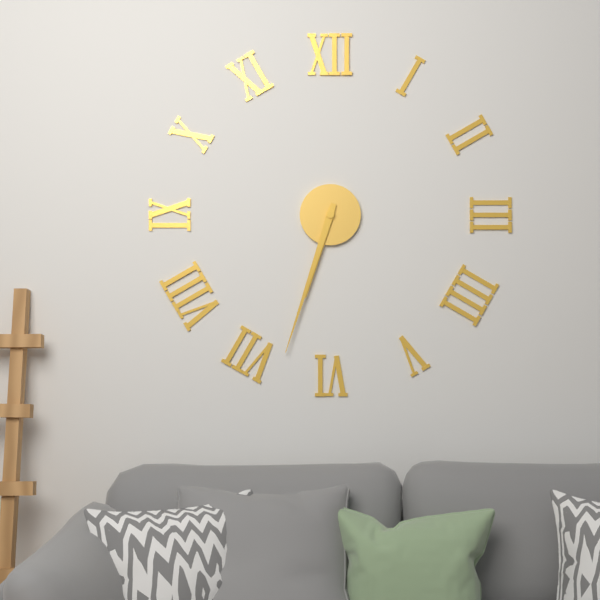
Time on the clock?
6:33
